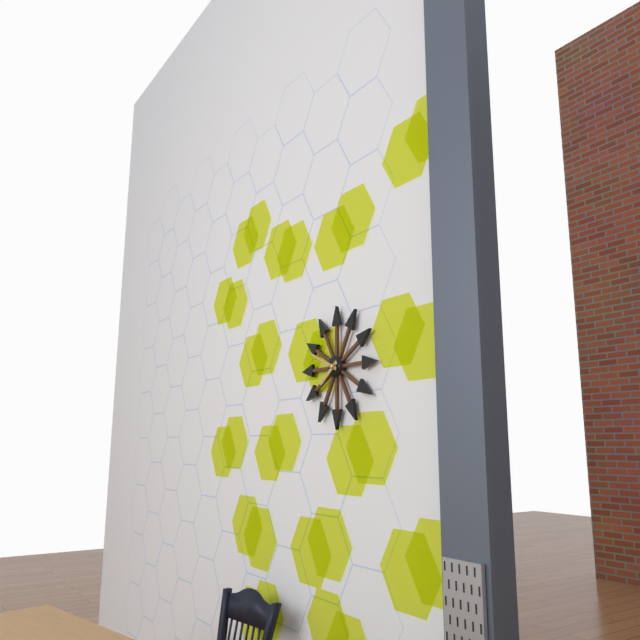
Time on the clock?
7:49
